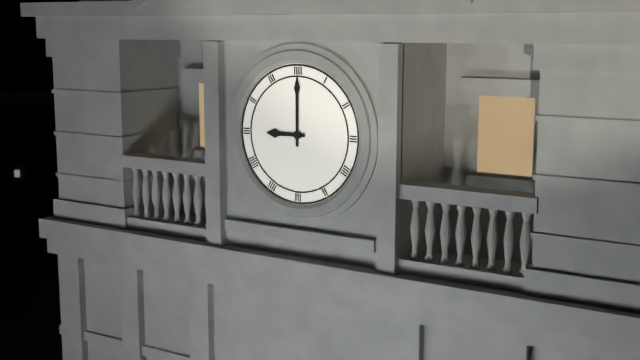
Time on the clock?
9:00
